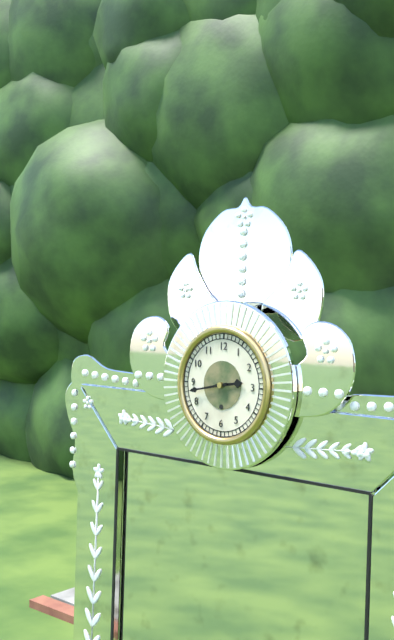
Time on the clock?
2:43
